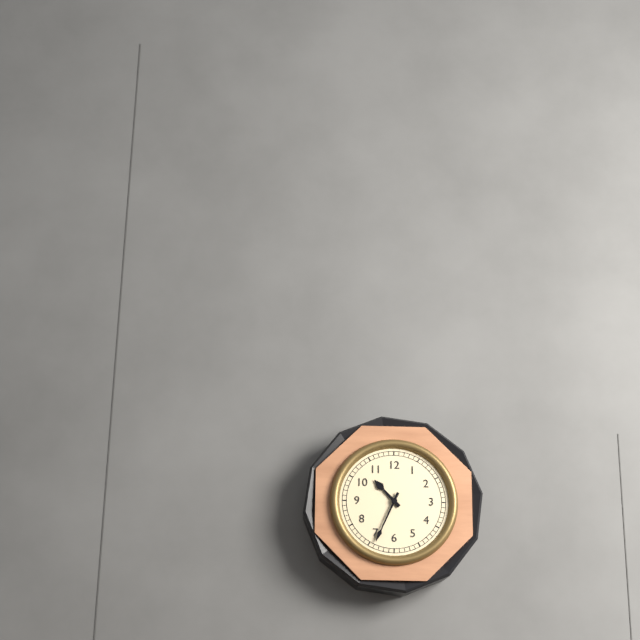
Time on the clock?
10:34
